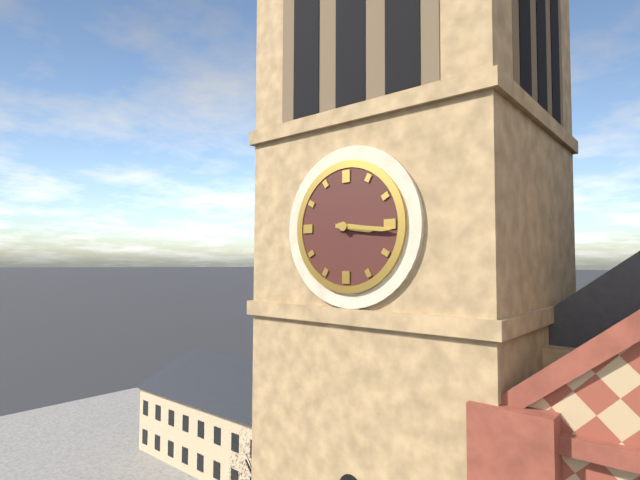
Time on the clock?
3:16
